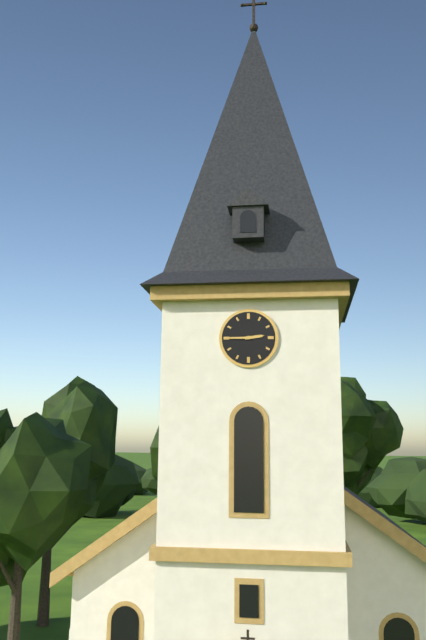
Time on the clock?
2:45
